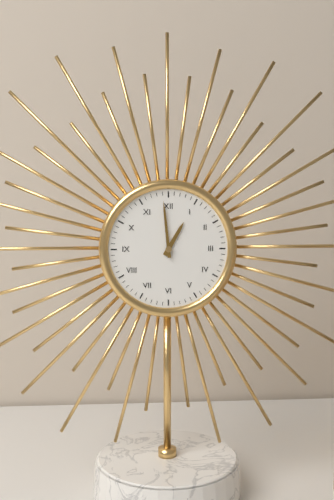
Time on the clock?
12:59
